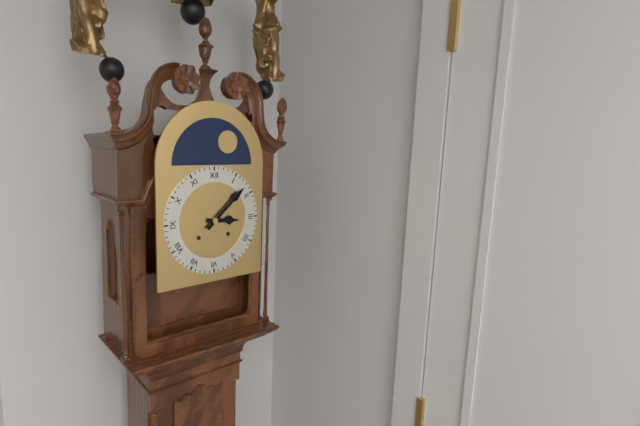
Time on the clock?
3:08
